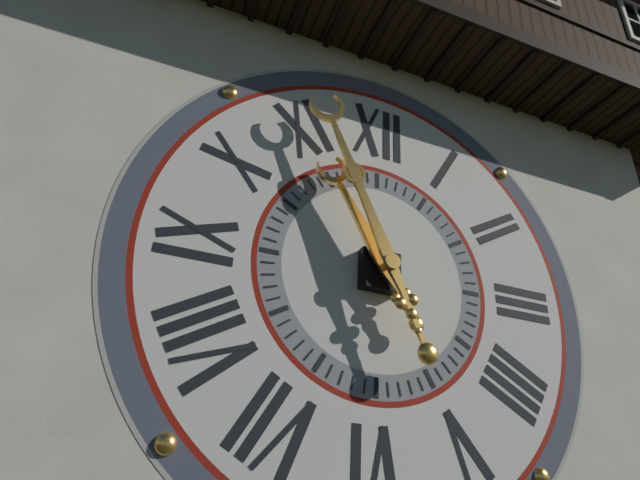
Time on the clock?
10:56
